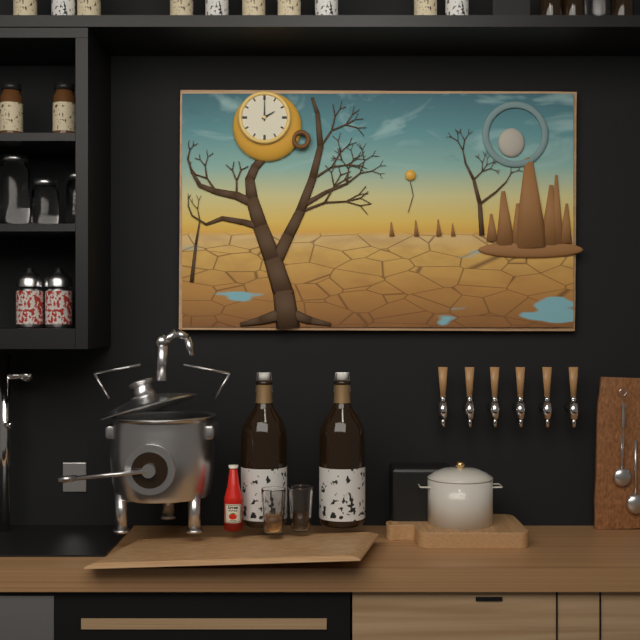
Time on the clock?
2:00
